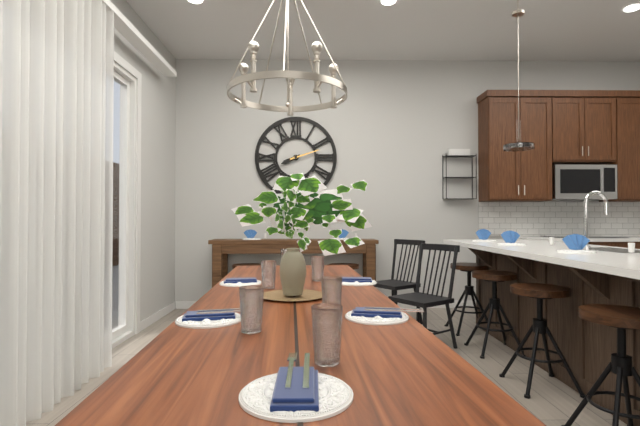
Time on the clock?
8:12
